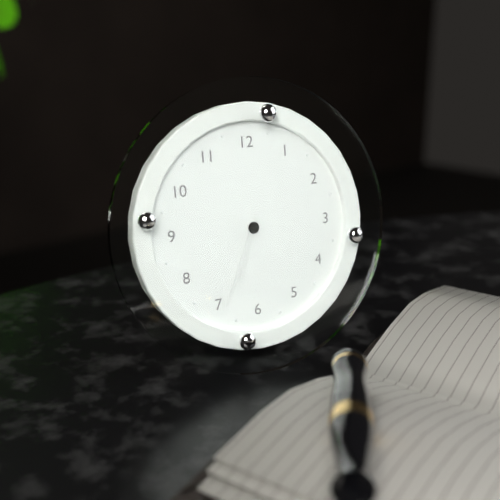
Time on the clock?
6:34
